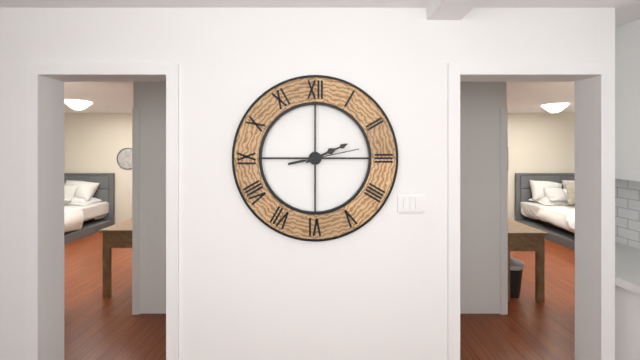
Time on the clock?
2:11:13
